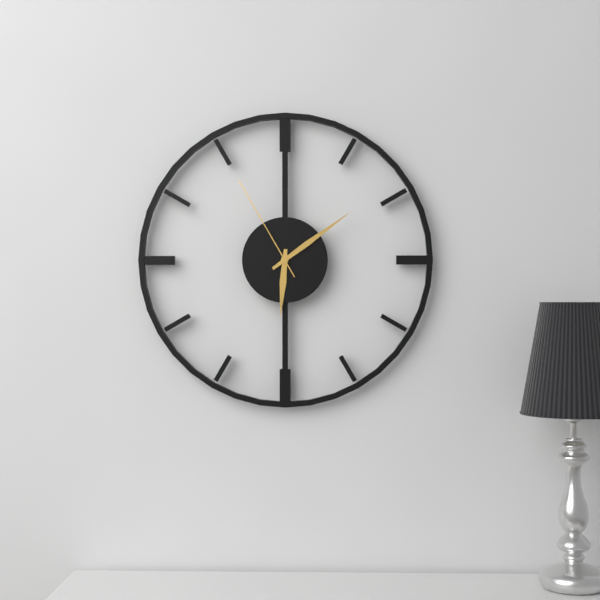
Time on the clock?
6:09:55
